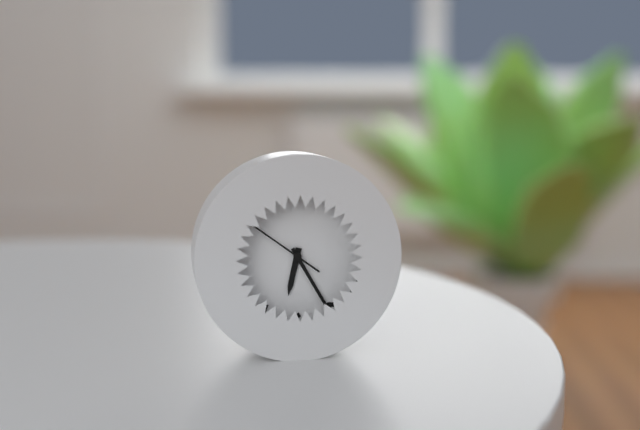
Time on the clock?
6:25:51
